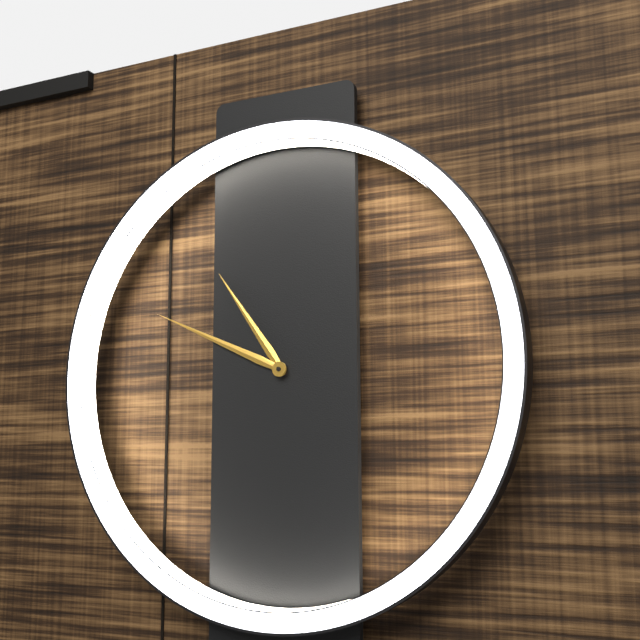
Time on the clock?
10:49
